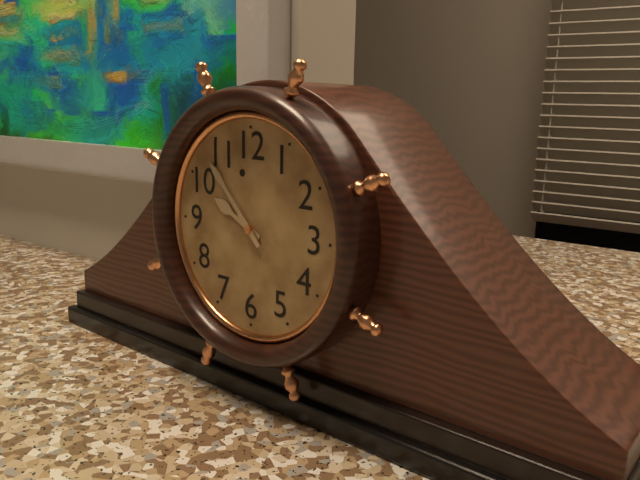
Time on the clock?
9:53
